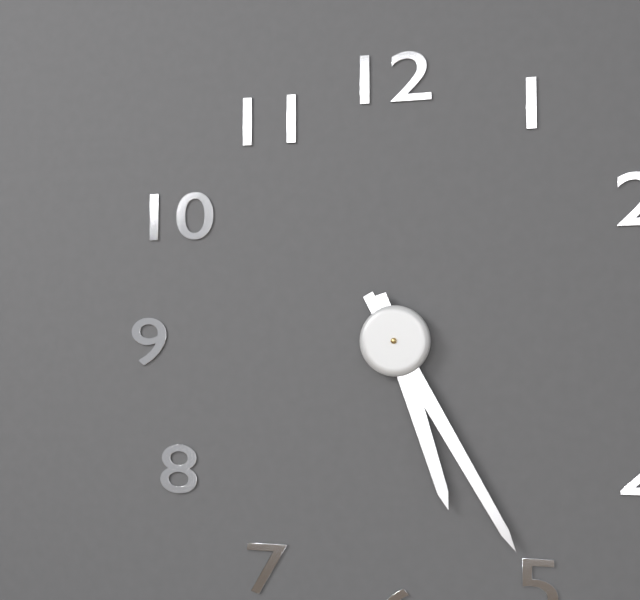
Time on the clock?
5:25
